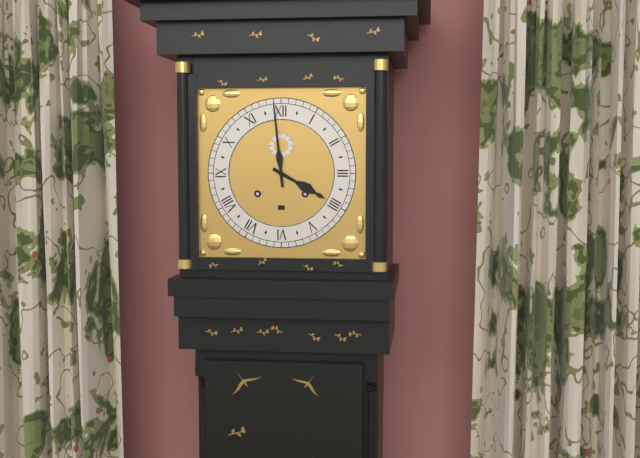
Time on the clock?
3:59
